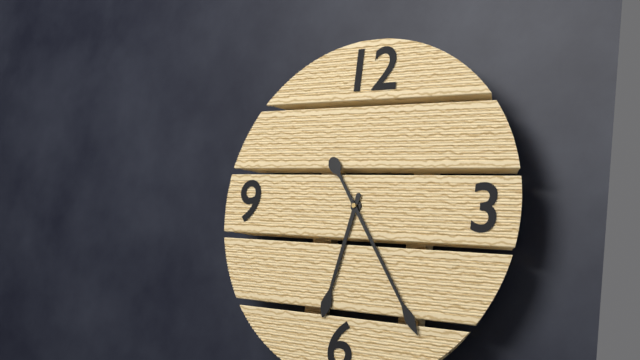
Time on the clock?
6:24
